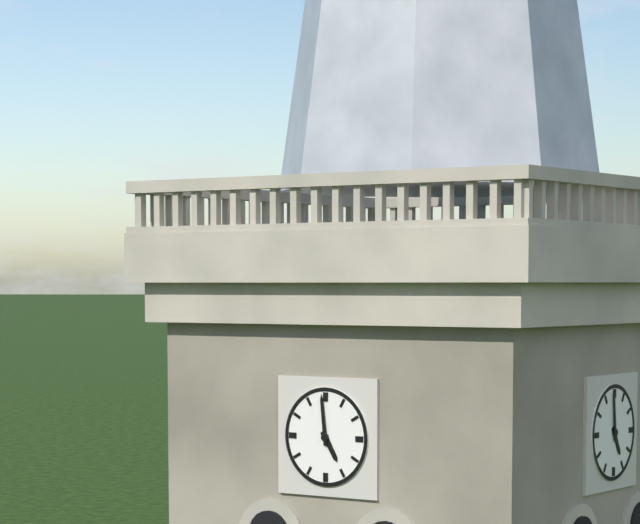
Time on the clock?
4:59
